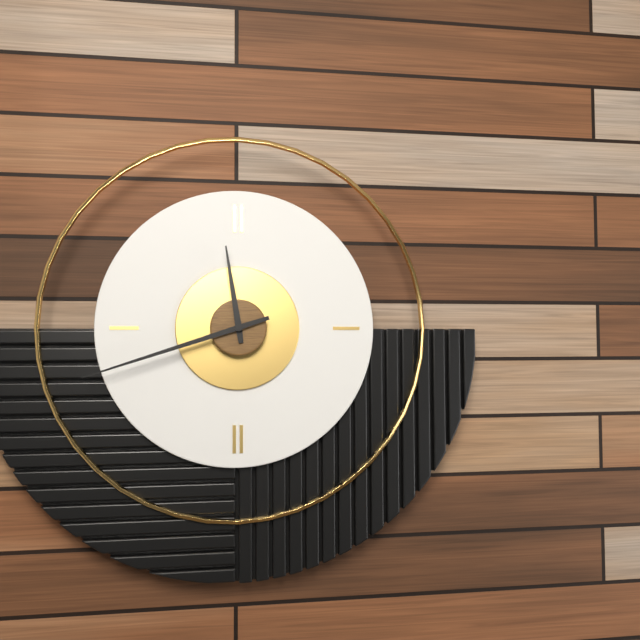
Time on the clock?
11:42
